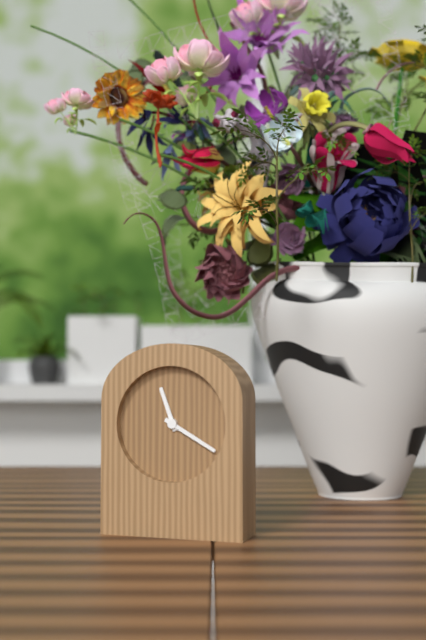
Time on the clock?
11:20
